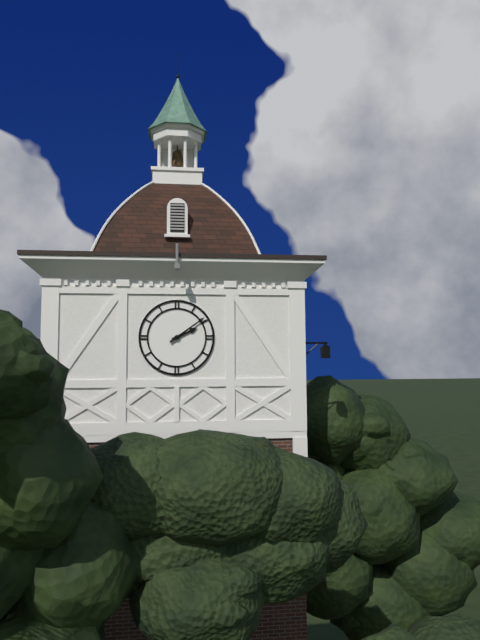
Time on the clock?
2:09
